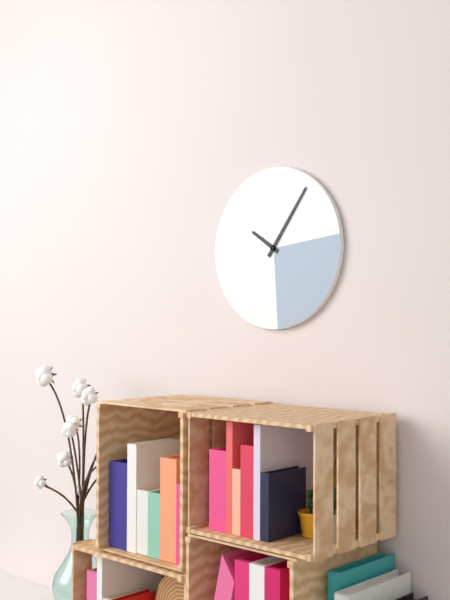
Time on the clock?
10:06
